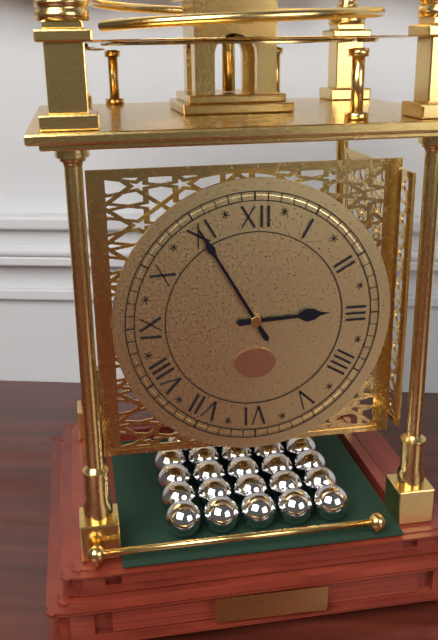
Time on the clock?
2:55
